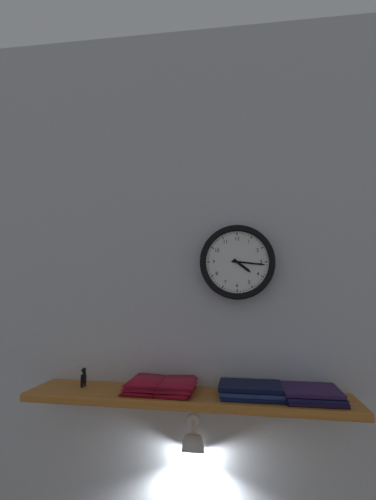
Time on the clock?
4:16
